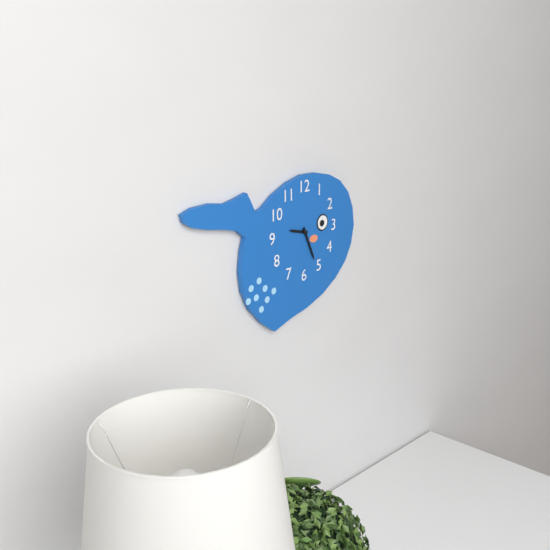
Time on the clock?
9:26
